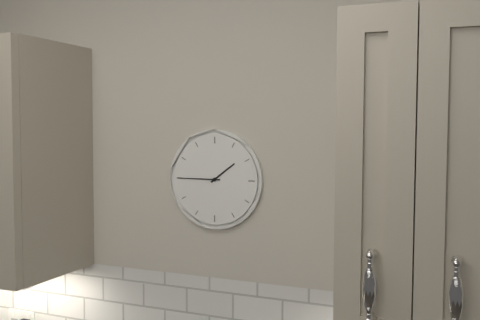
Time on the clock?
1:45
